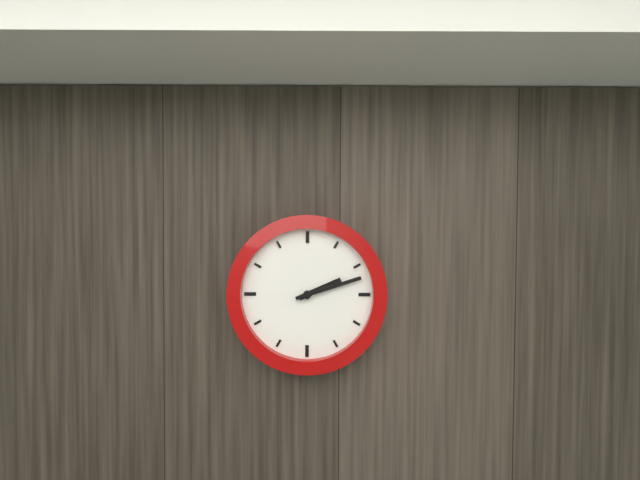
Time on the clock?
2:12
